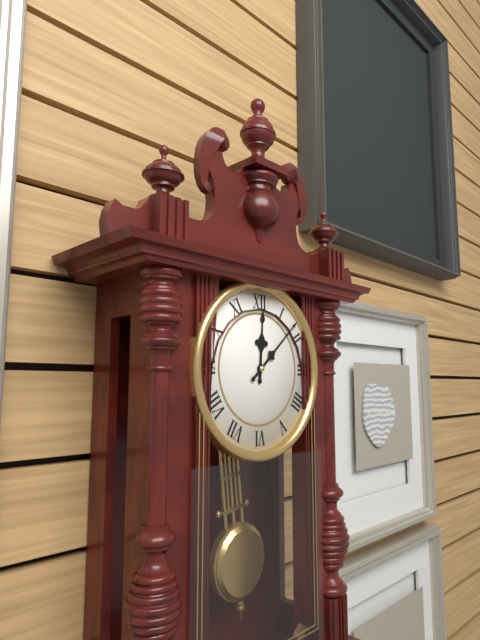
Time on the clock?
12:08
